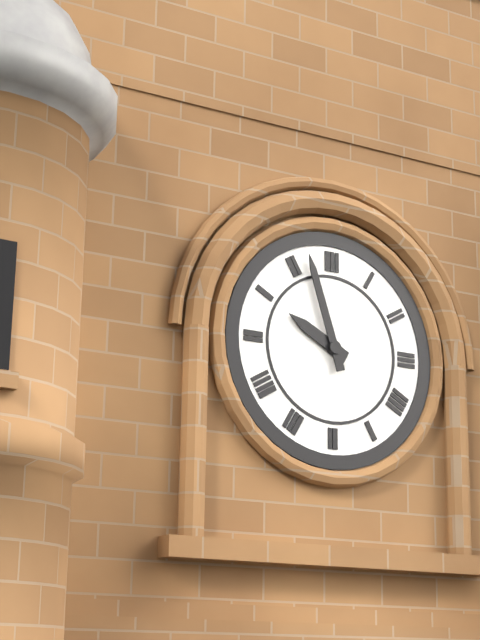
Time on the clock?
9:57
